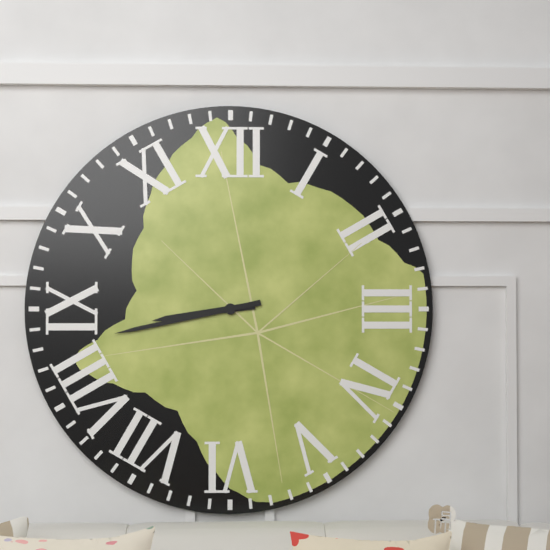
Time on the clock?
8:43
